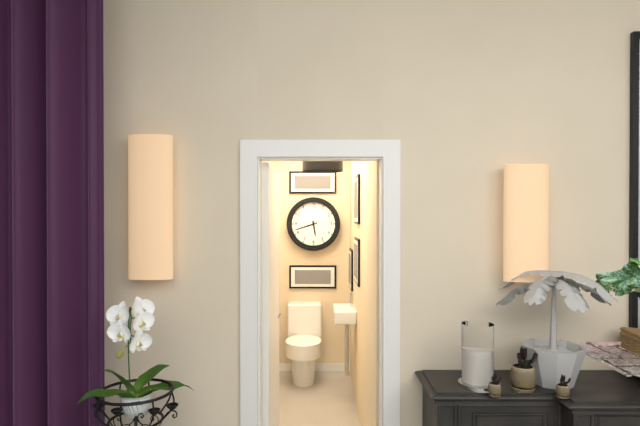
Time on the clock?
5:42
